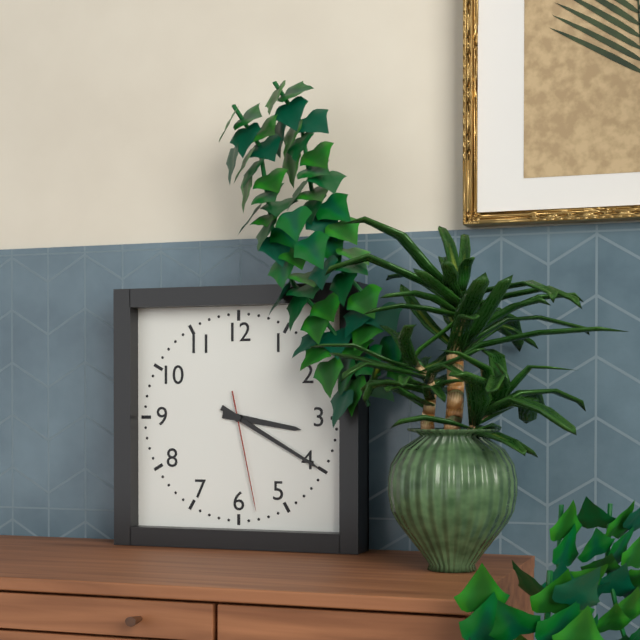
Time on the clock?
3:20:28
